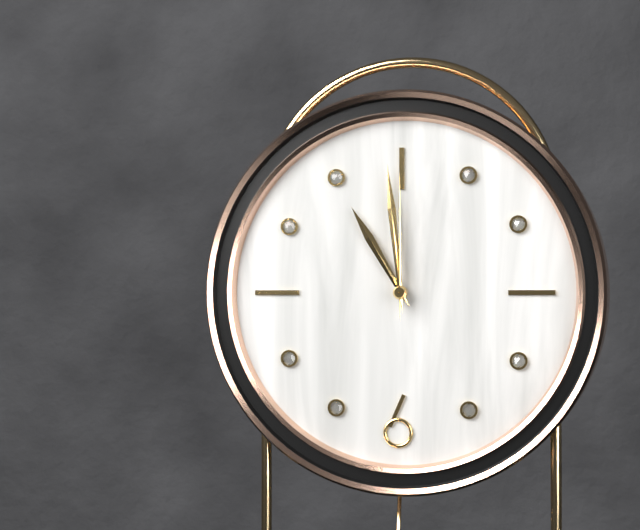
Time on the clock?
10:59:00
